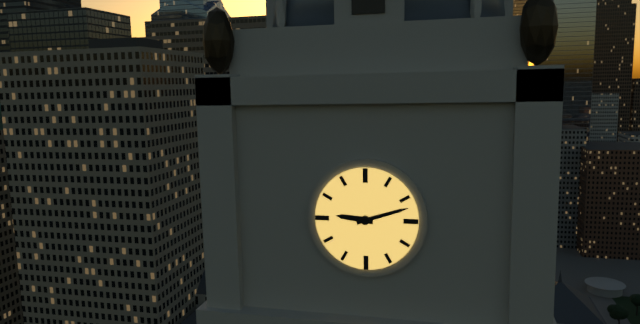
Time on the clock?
9:12
